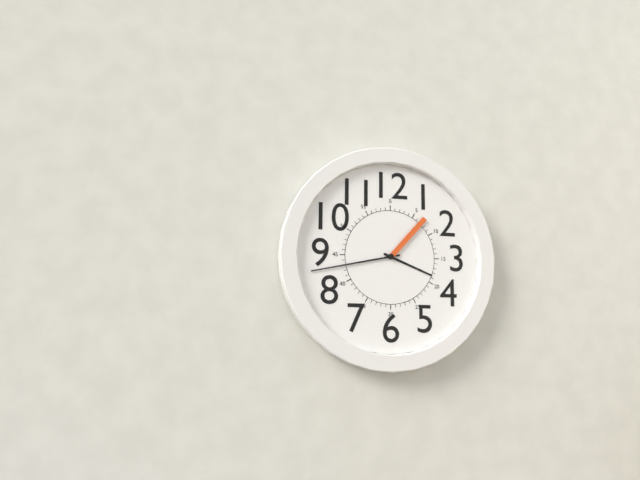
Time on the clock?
3:43:07
